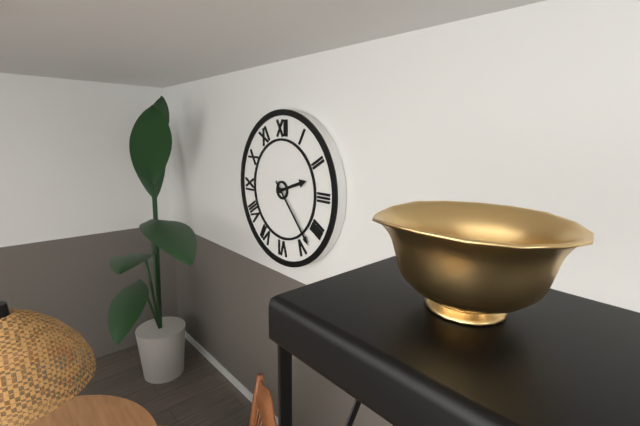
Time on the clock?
2:23
